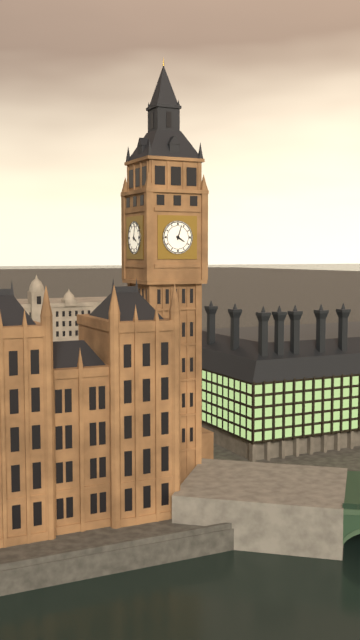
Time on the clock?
4:03
